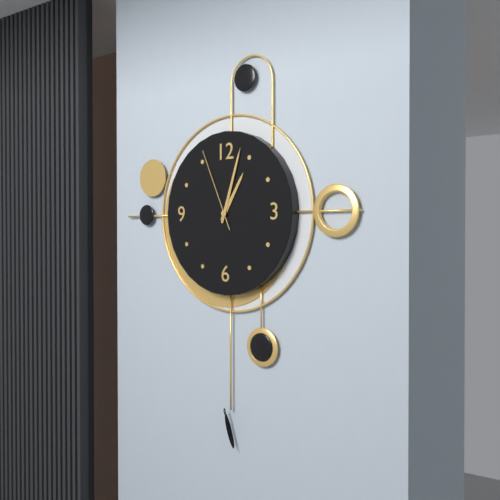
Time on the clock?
1:03:56
